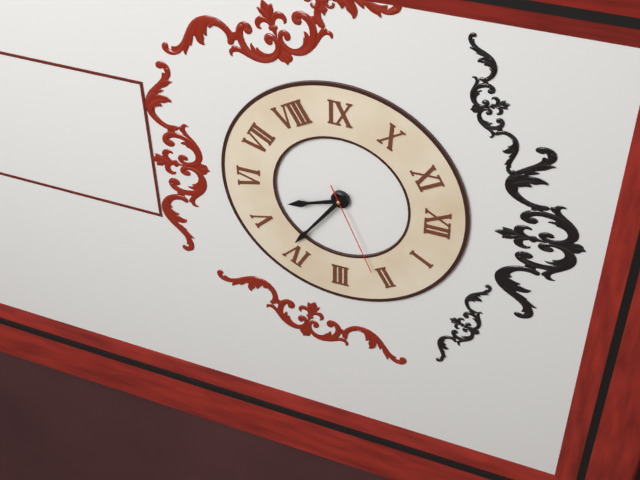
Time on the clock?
5:21:11
